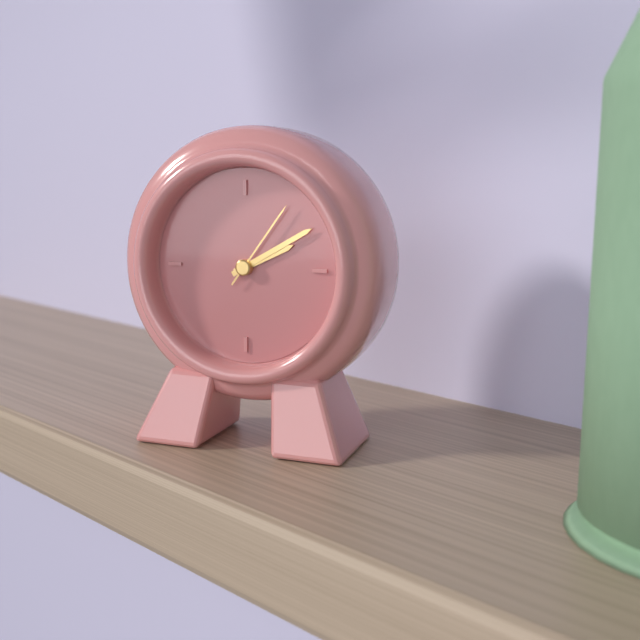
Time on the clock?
2:10:06
